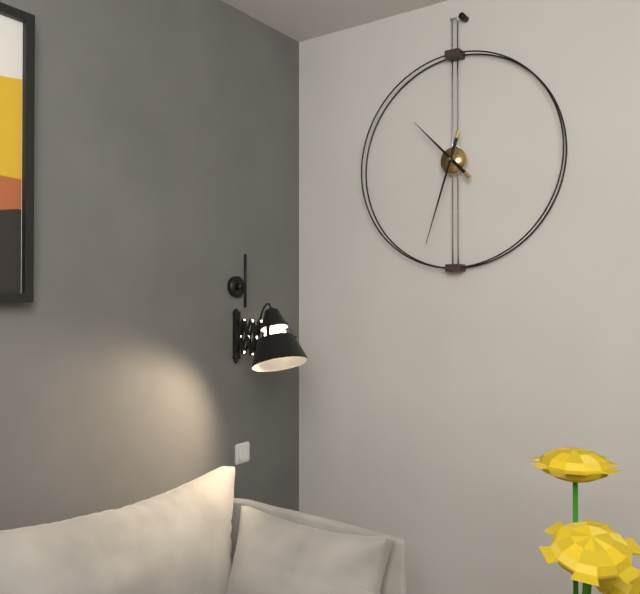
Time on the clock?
10:33
